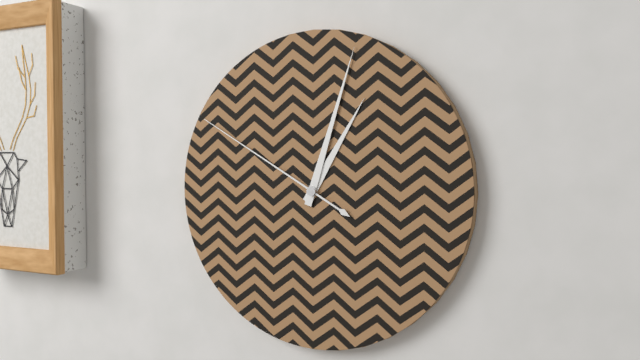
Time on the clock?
1:03:50
